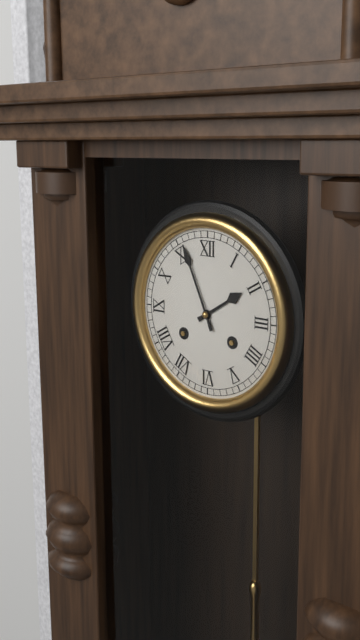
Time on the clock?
1:56
